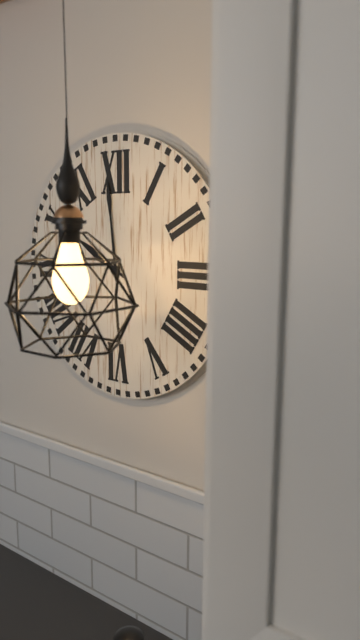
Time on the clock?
9:59
